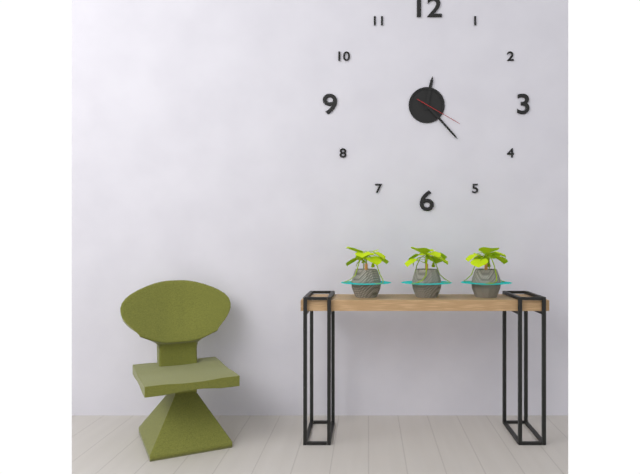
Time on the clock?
12:23
